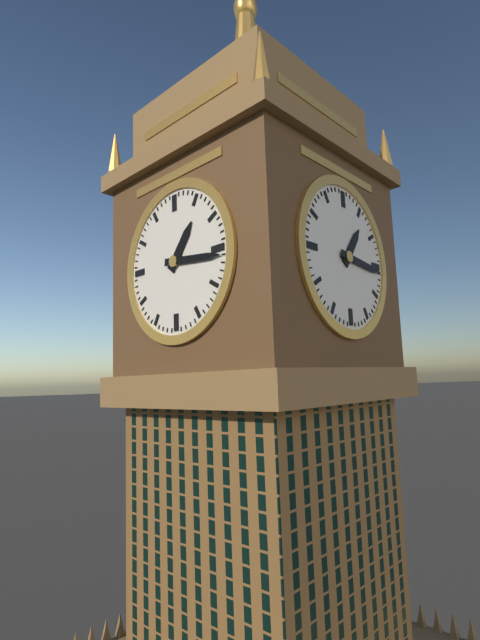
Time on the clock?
1:16
